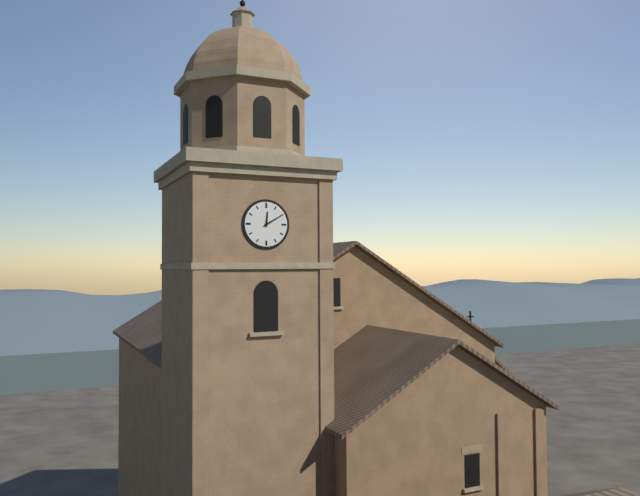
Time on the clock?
12:10
